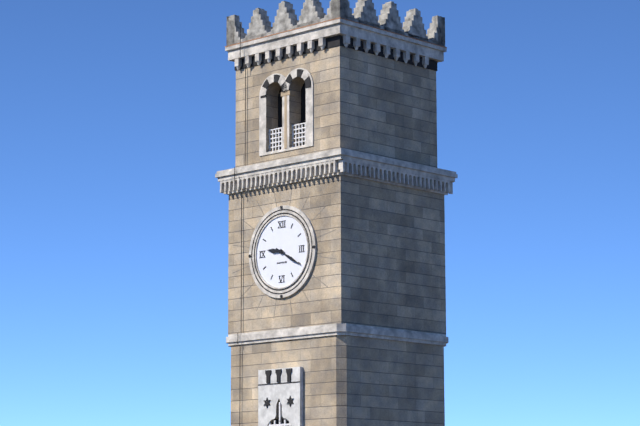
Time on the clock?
9:20
